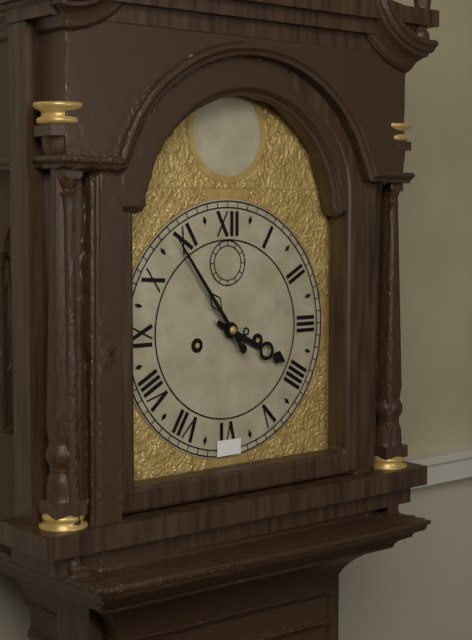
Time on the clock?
3:54
